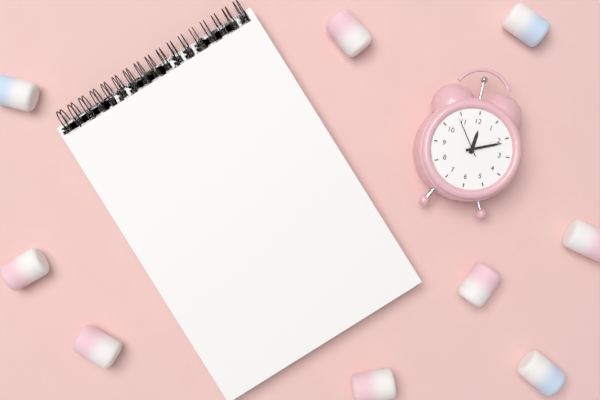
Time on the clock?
12:11
